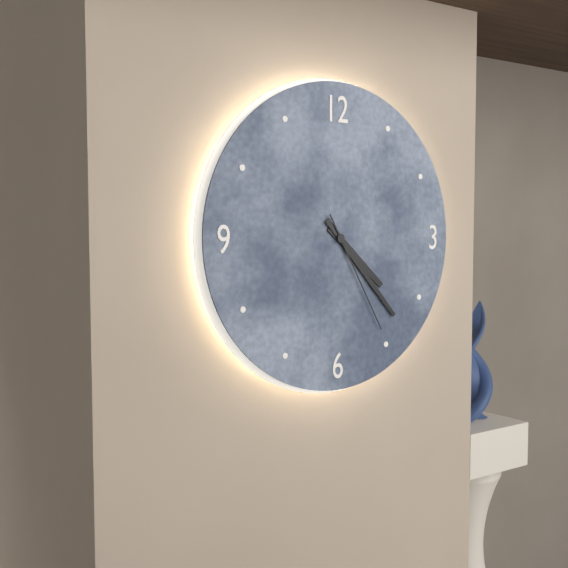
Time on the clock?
4:23:25
